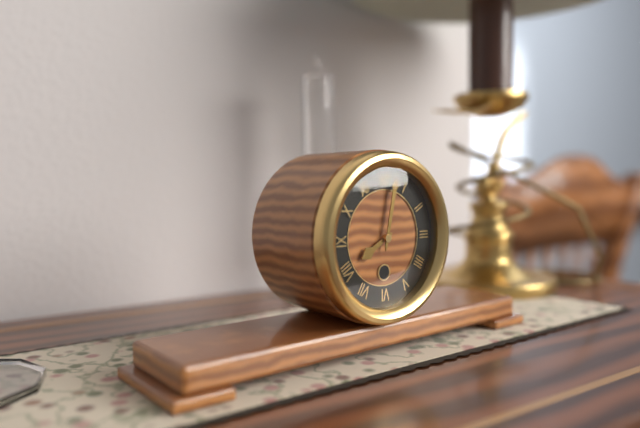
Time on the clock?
8:02
